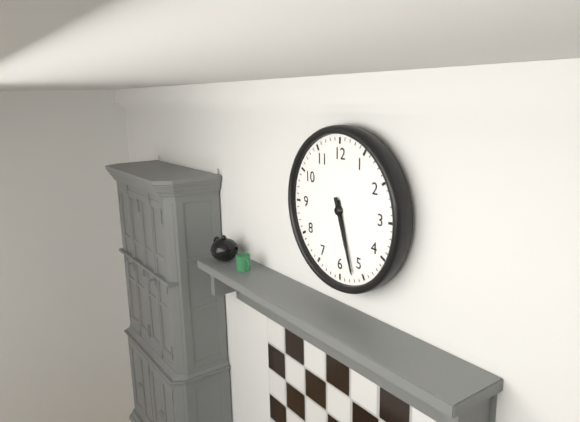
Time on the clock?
5:27
